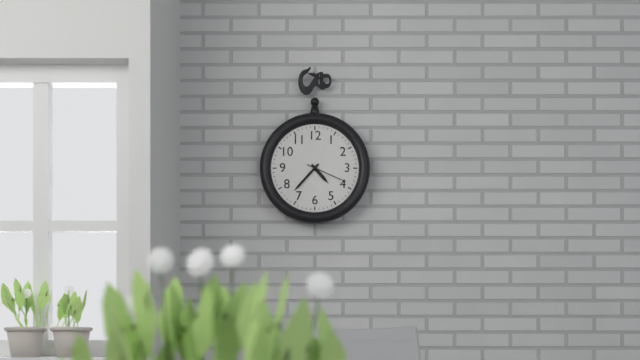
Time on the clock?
4:37
